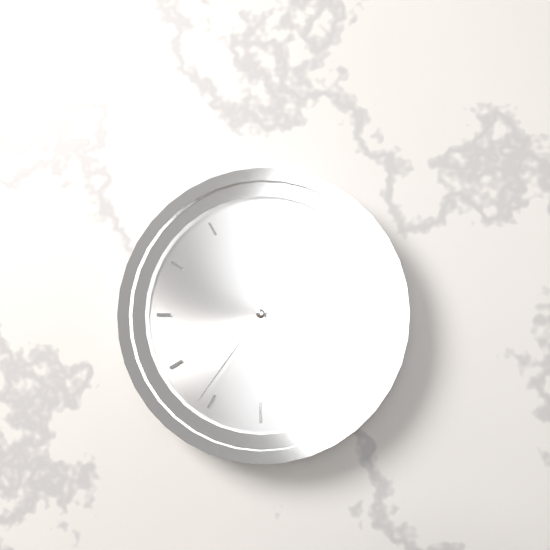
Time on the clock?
5:09:36
